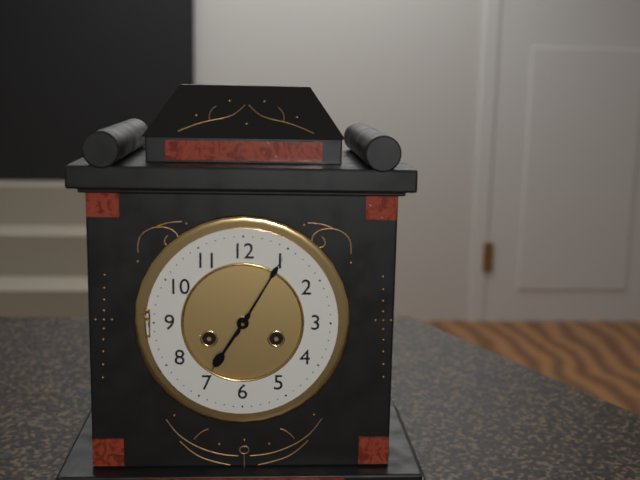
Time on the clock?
7:05
